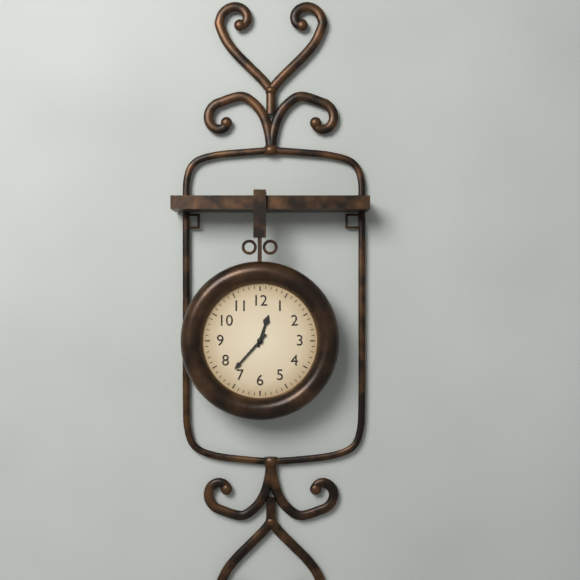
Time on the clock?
12:37
